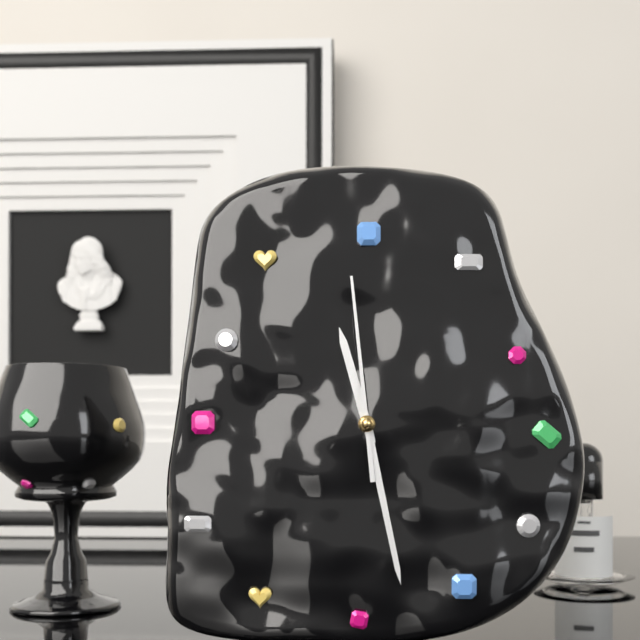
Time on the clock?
11:28:59
